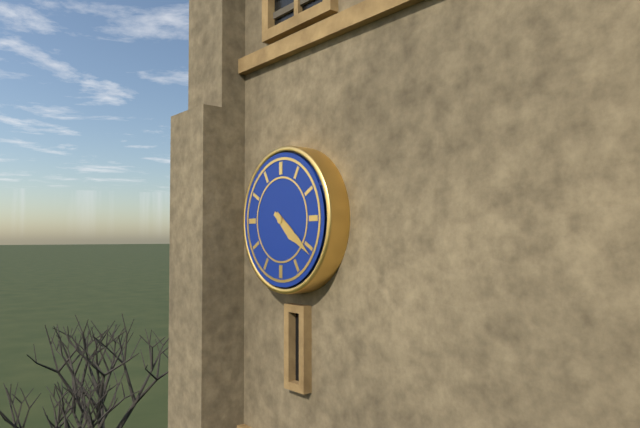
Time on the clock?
4:21
